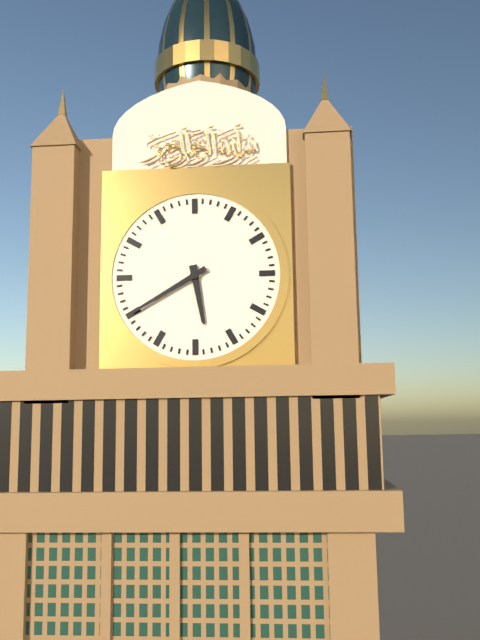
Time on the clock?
5:40
